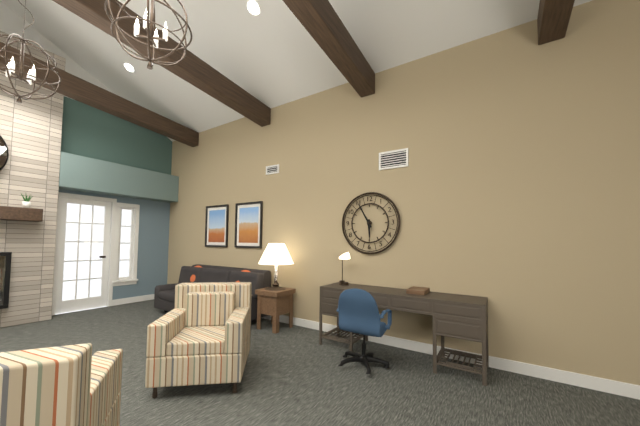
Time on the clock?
5:55
